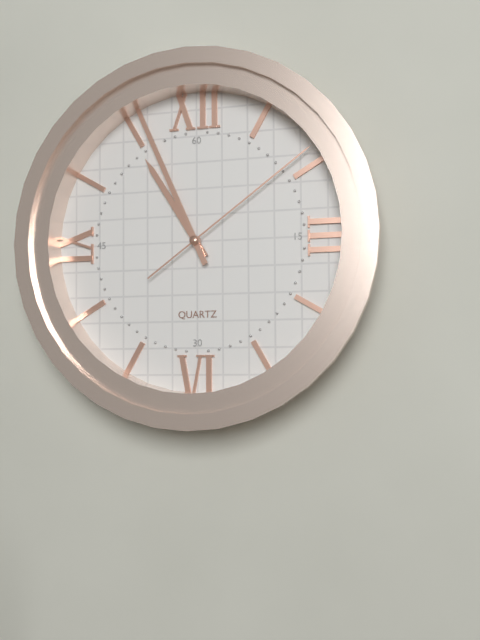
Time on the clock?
10:56:09
